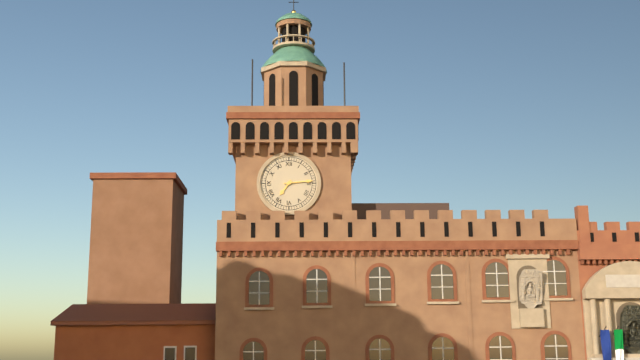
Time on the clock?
7:14
